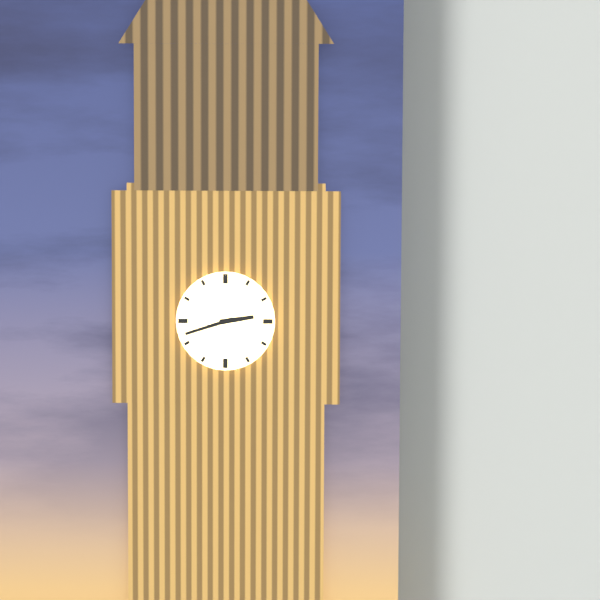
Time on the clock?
2:42
